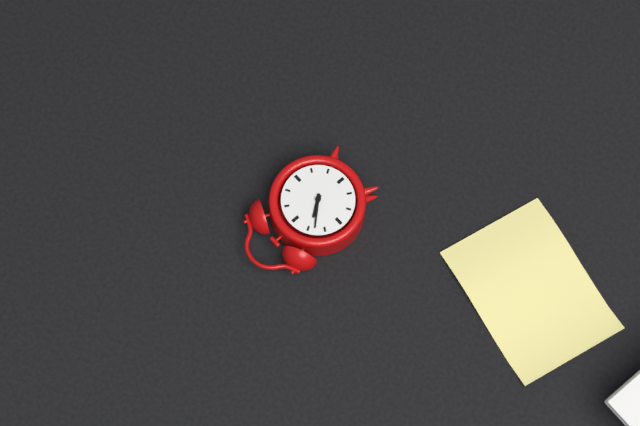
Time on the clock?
10:53
